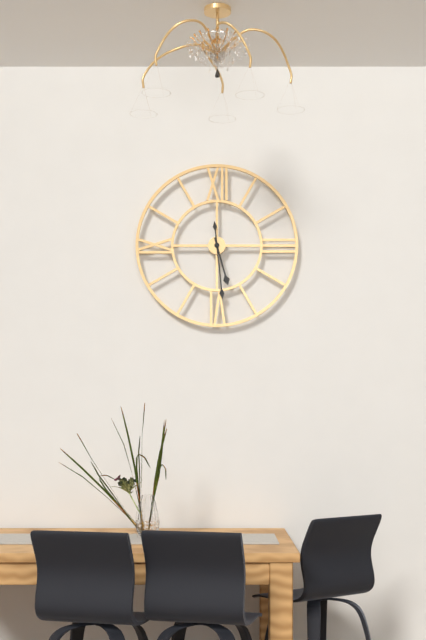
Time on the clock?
5:29
